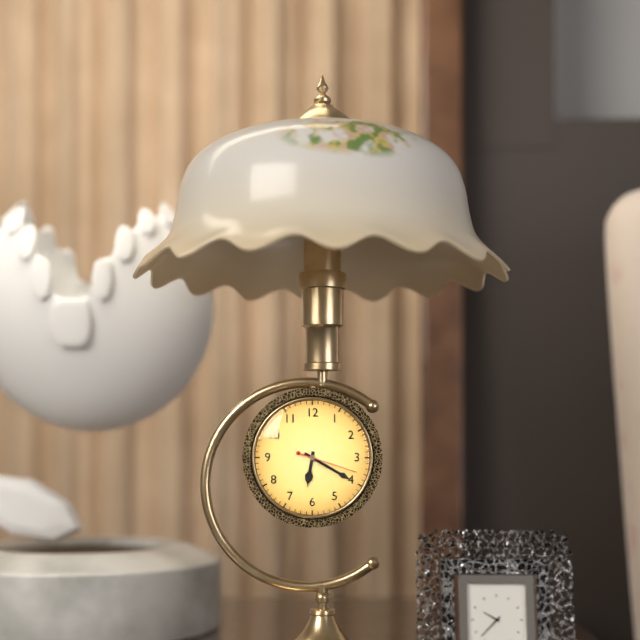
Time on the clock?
6:20:18
